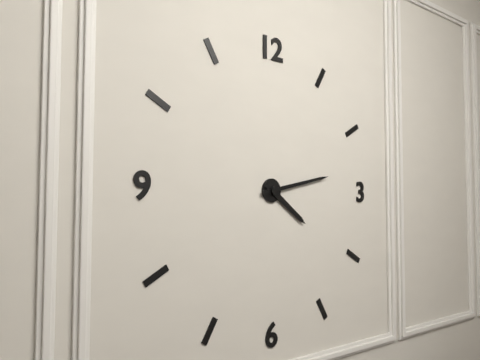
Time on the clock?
4:13
